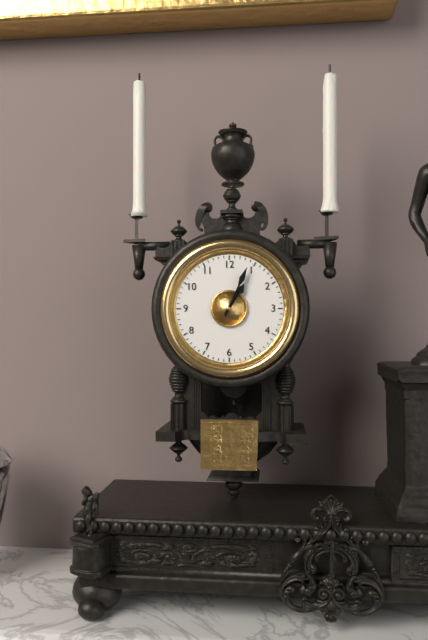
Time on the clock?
1:04
